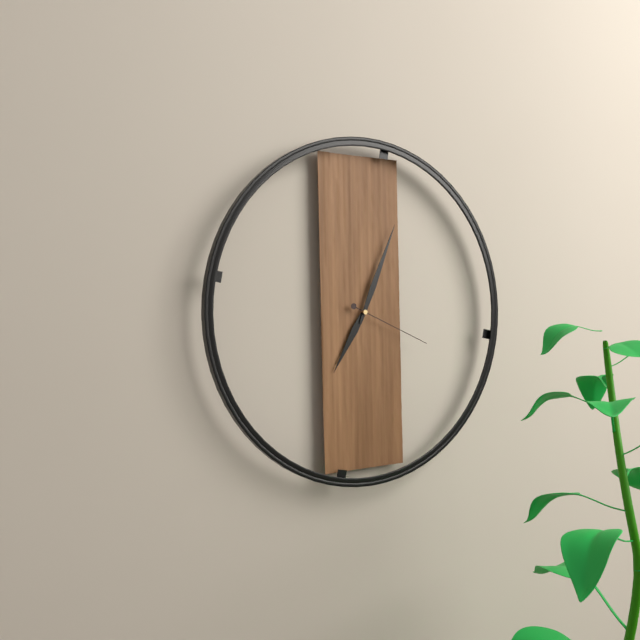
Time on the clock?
7:04:19
